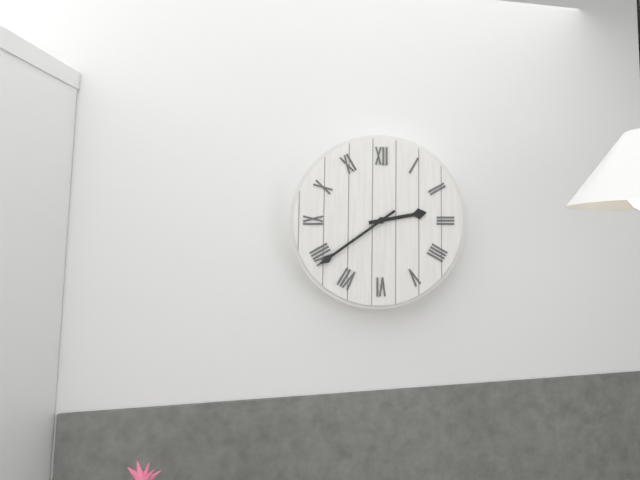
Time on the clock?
2:39
